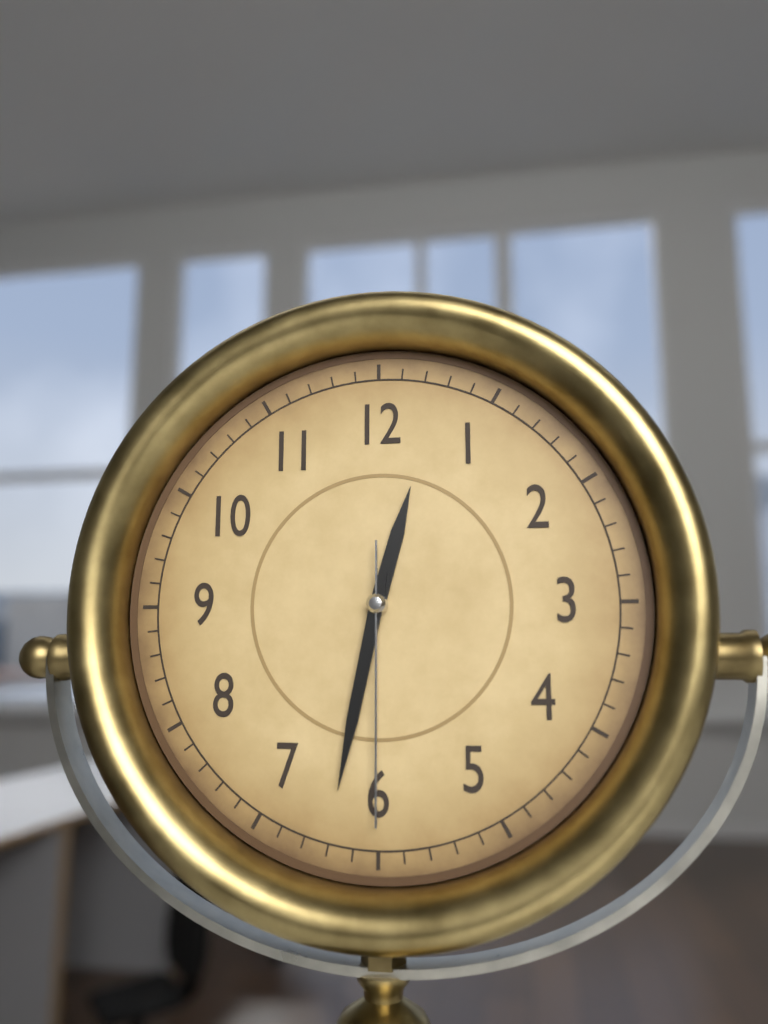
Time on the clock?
12:32:30
